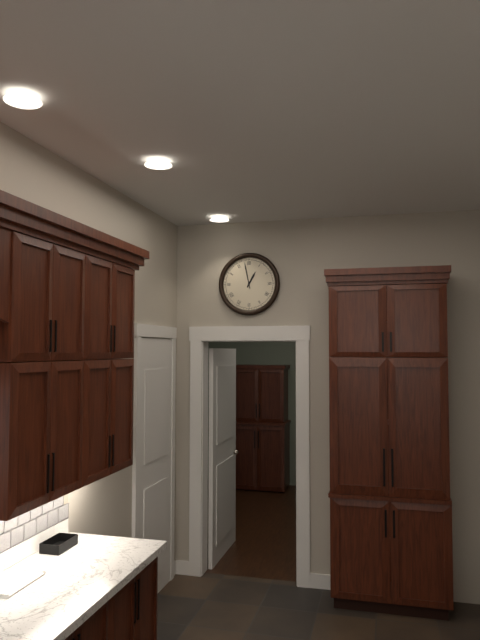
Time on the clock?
12:58
